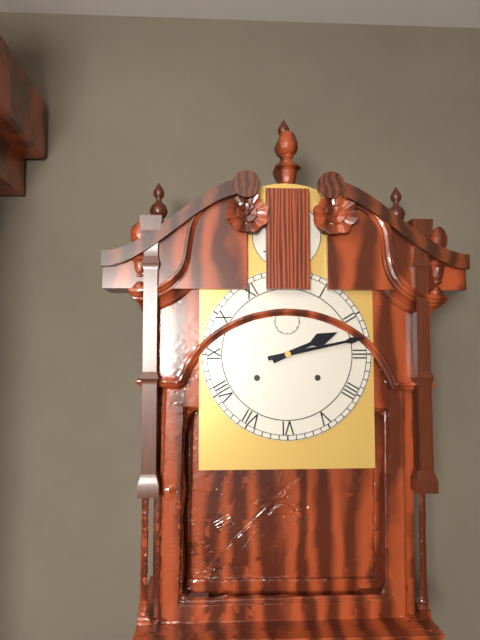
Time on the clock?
2:13
